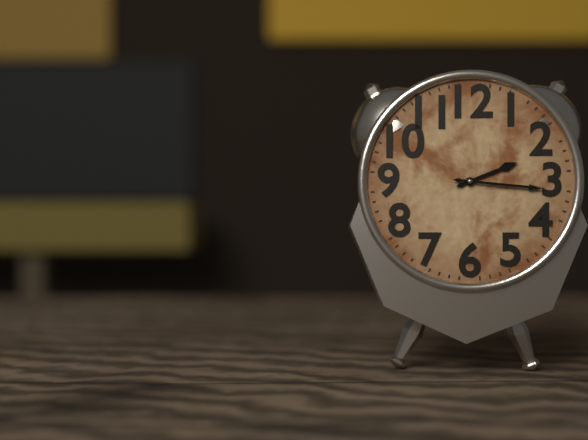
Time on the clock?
2:16
